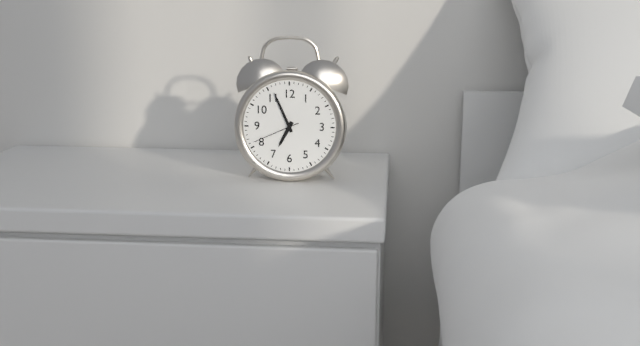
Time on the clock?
6:56
